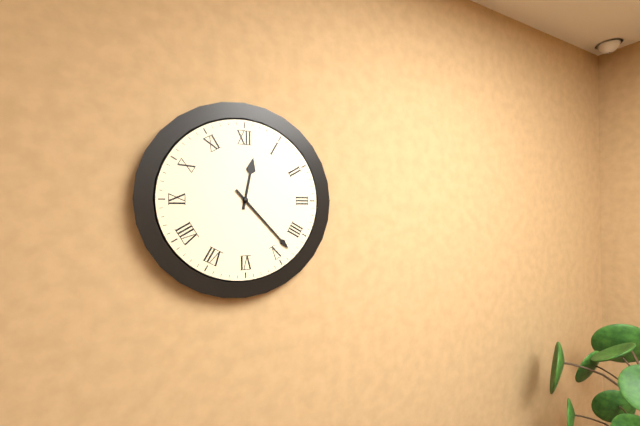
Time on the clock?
12:23
